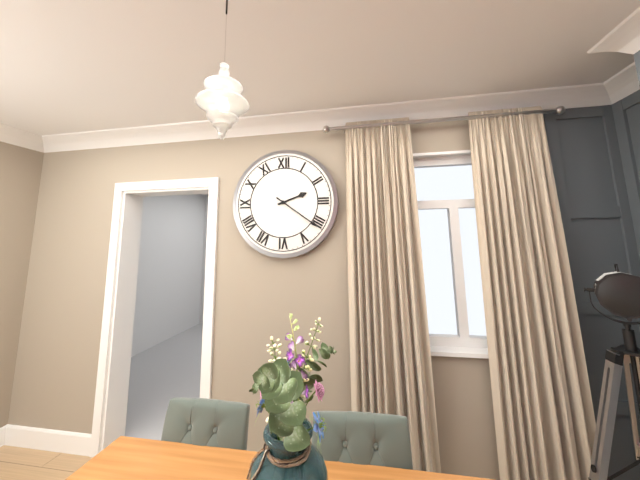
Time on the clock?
2:21
